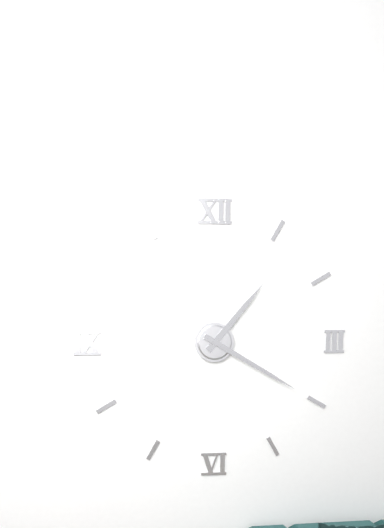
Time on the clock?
1:20
